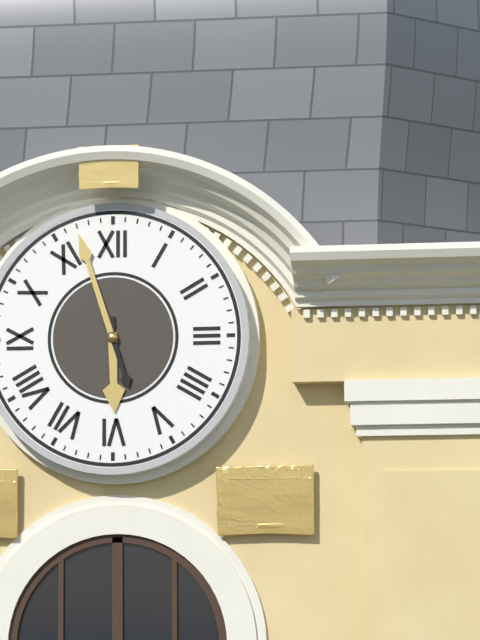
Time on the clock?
5:57
